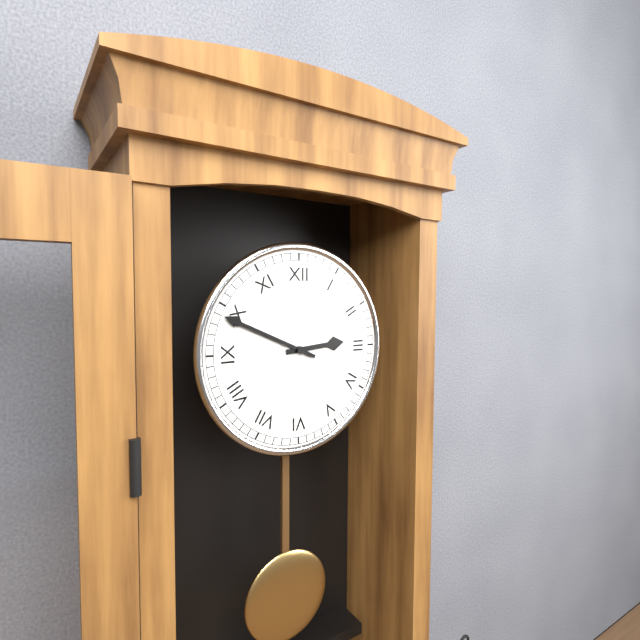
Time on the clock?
2:49
